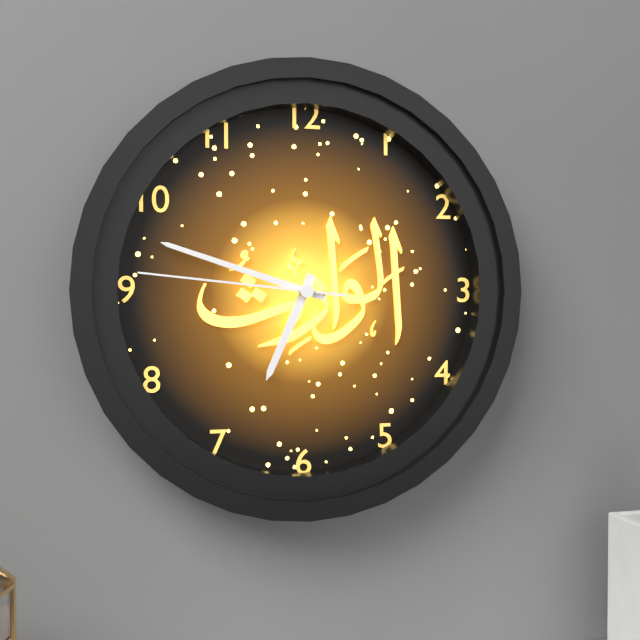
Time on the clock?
6:48:46
